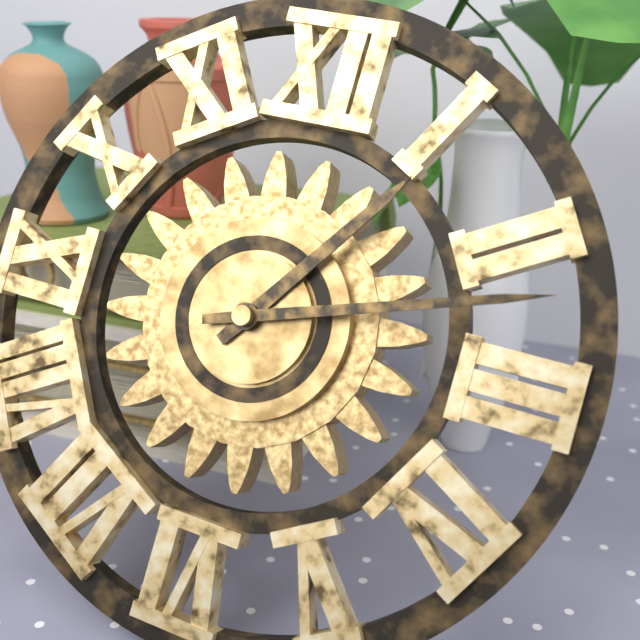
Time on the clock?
1:12
